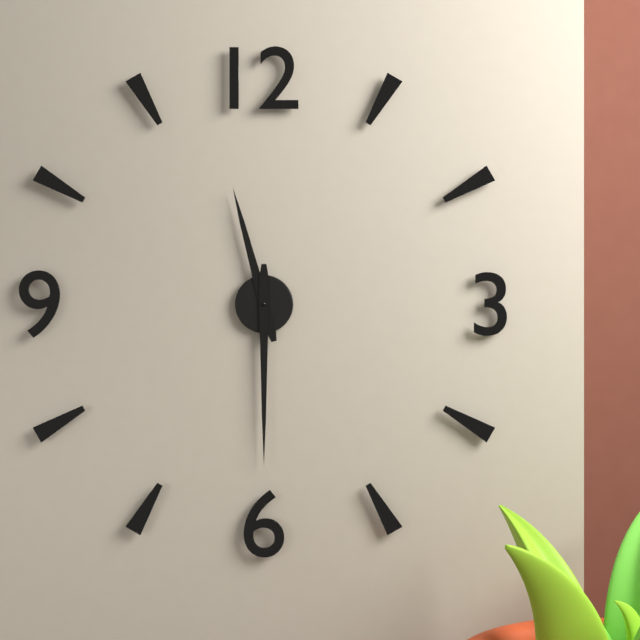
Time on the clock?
11:30
